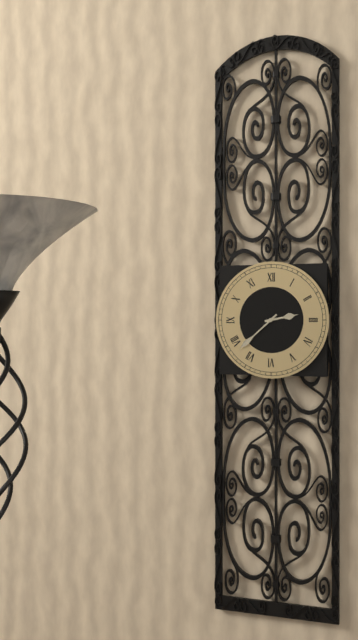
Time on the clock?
2:38
